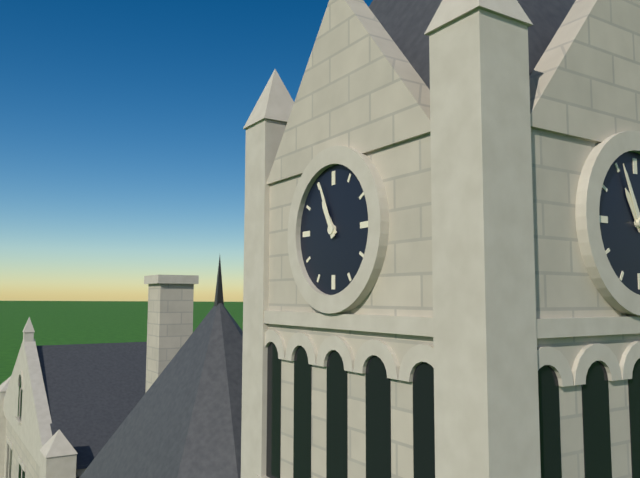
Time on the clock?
10:56
